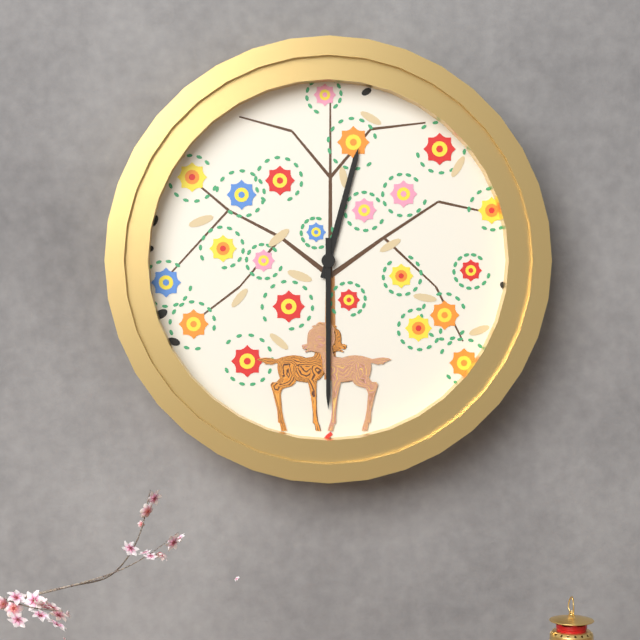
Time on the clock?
12:30
